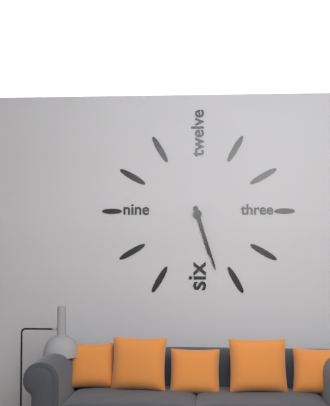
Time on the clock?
5:27
